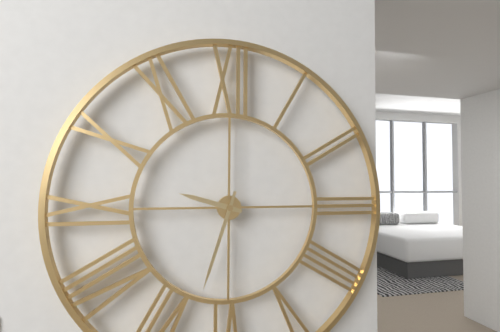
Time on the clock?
9:33
